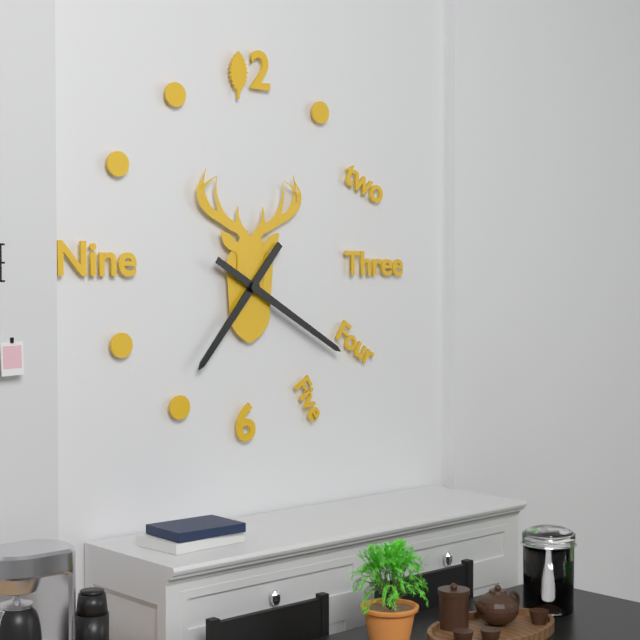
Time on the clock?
7:20
